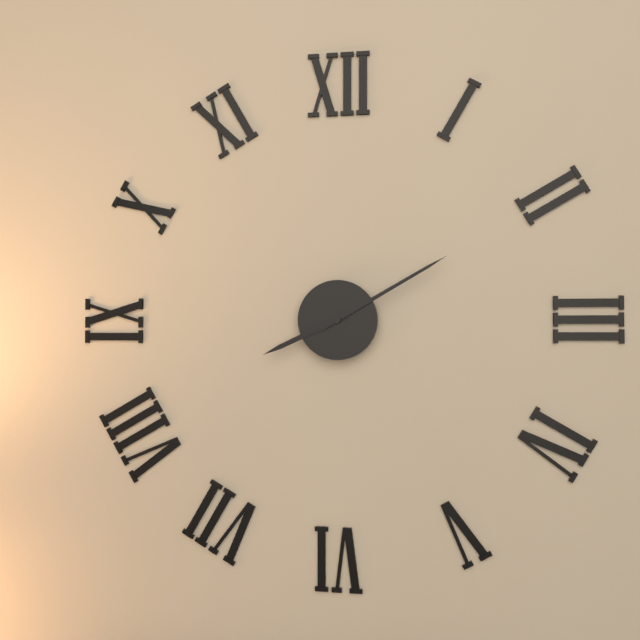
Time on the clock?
8:10
